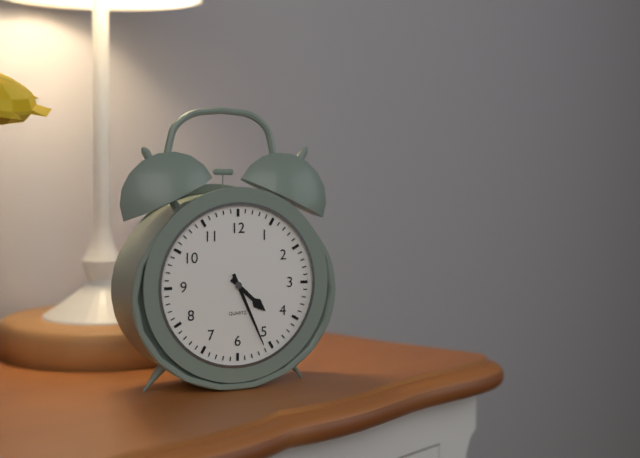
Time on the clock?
4:26
